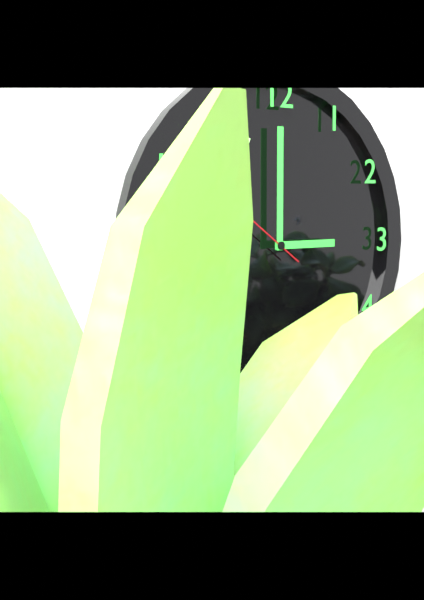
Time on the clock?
3:00
